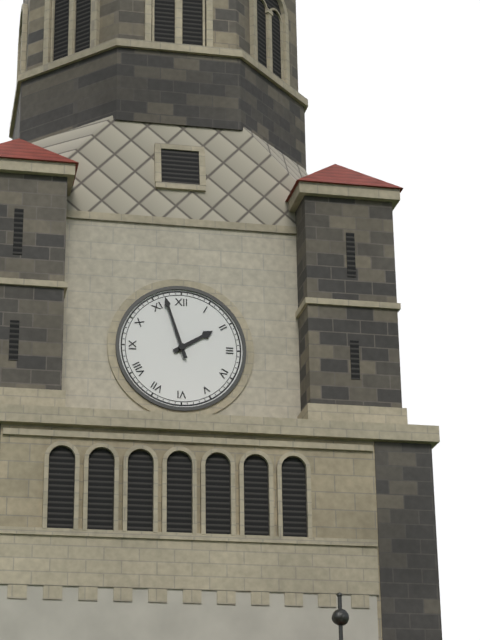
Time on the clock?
1:57
